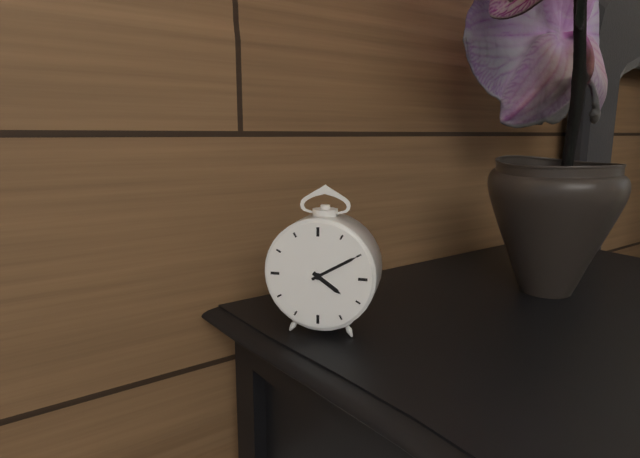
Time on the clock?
4:10
